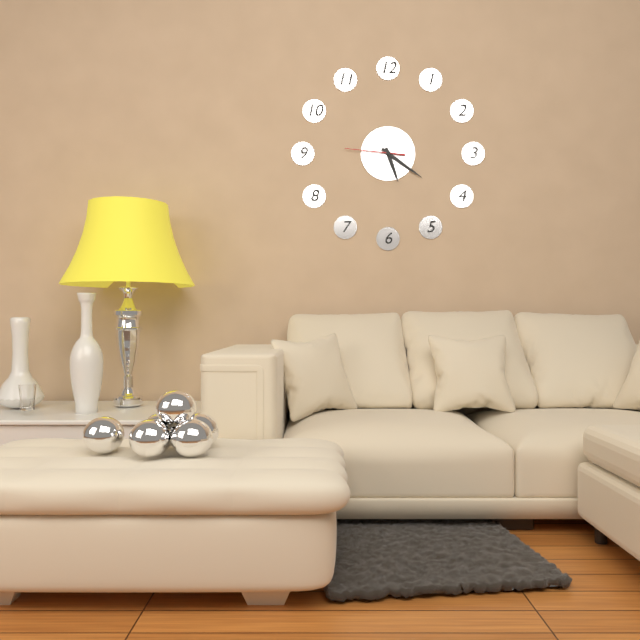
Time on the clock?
5:21:46
